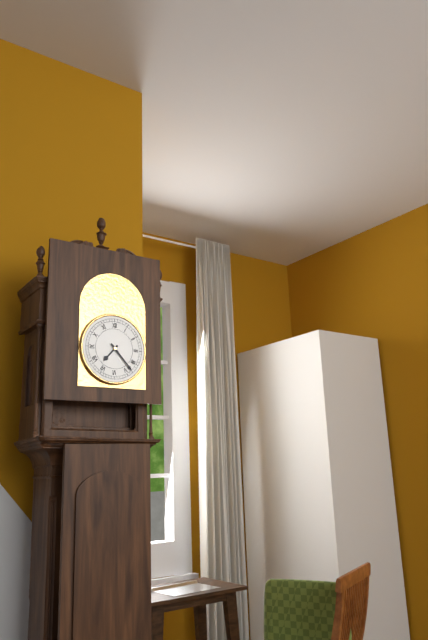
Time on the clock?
7:23
